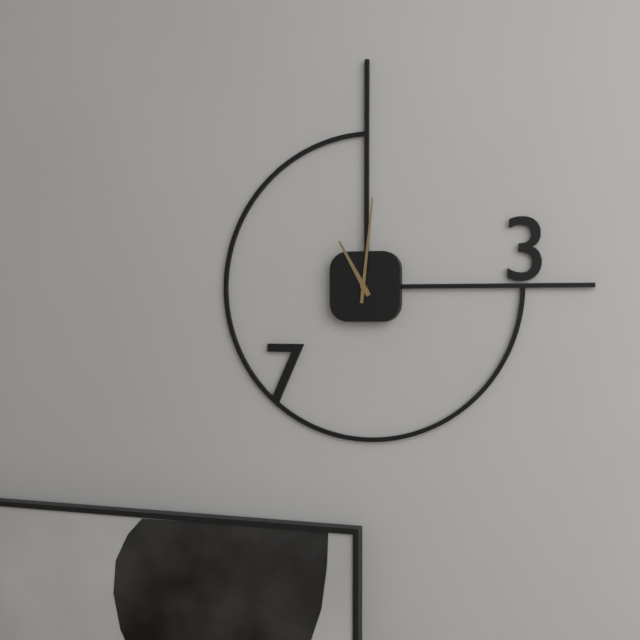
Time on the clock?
11:01
